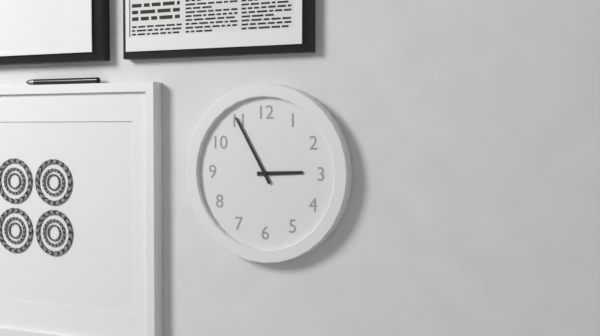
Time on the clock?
2:55
